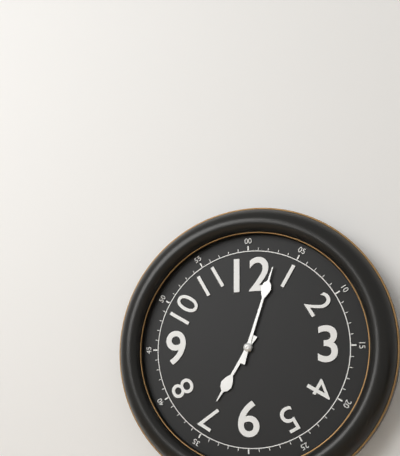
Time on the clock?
7:03
